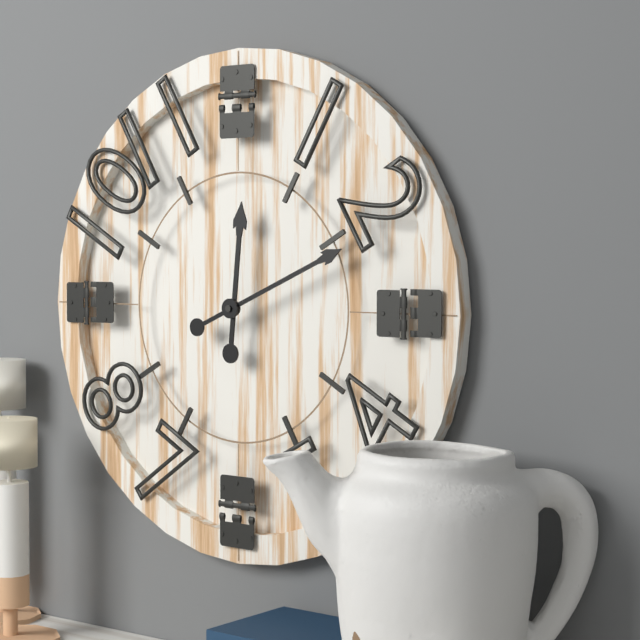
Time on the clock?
12:11
